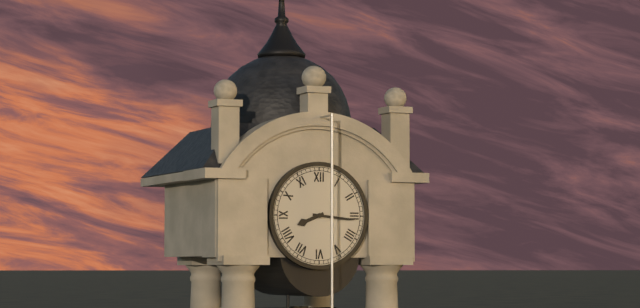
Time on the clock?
8:16
